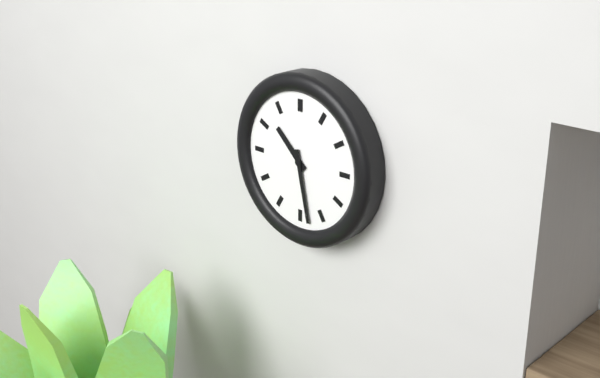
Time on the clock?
10:28
